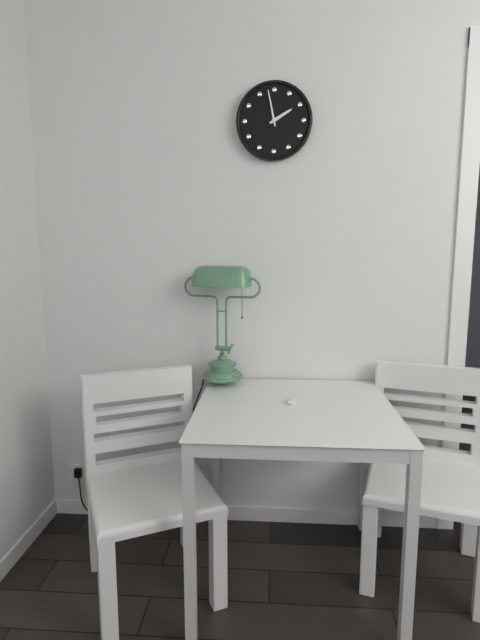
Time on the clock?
1:58
